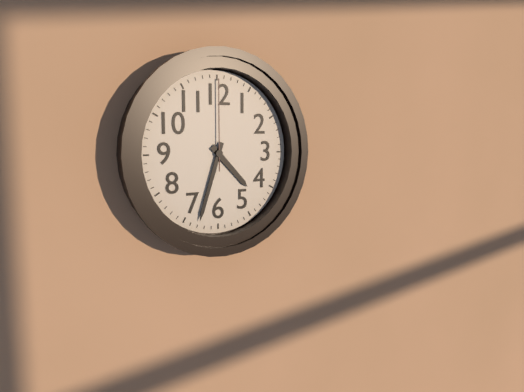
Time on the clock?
4:33:00
